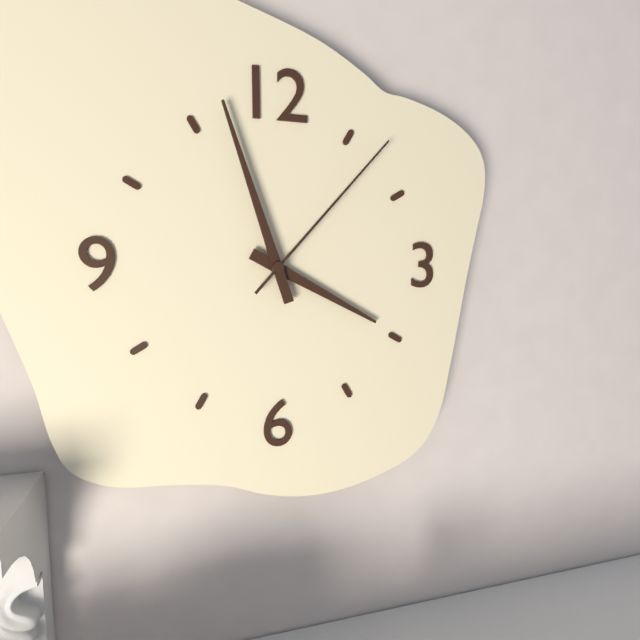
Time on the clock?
3:57:07
